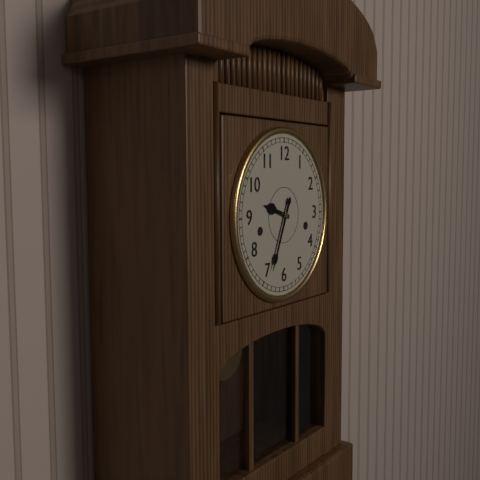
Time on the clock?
9:34
